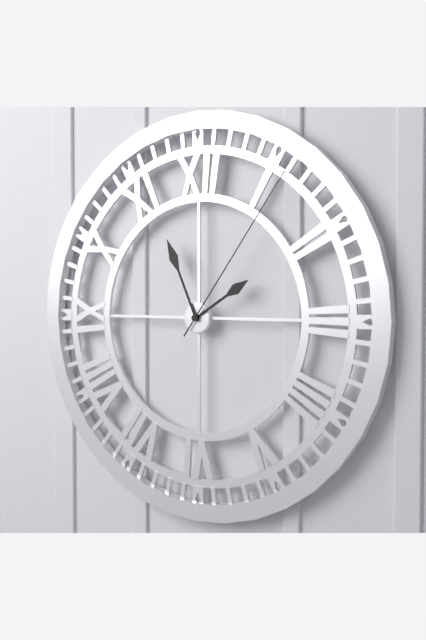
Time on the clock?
1:56:06
